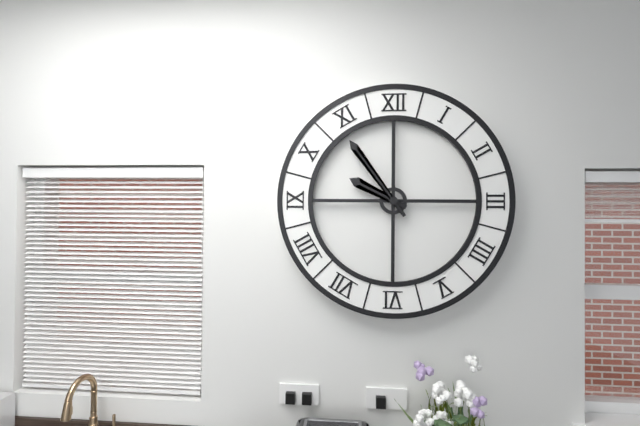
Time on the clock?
9:54
